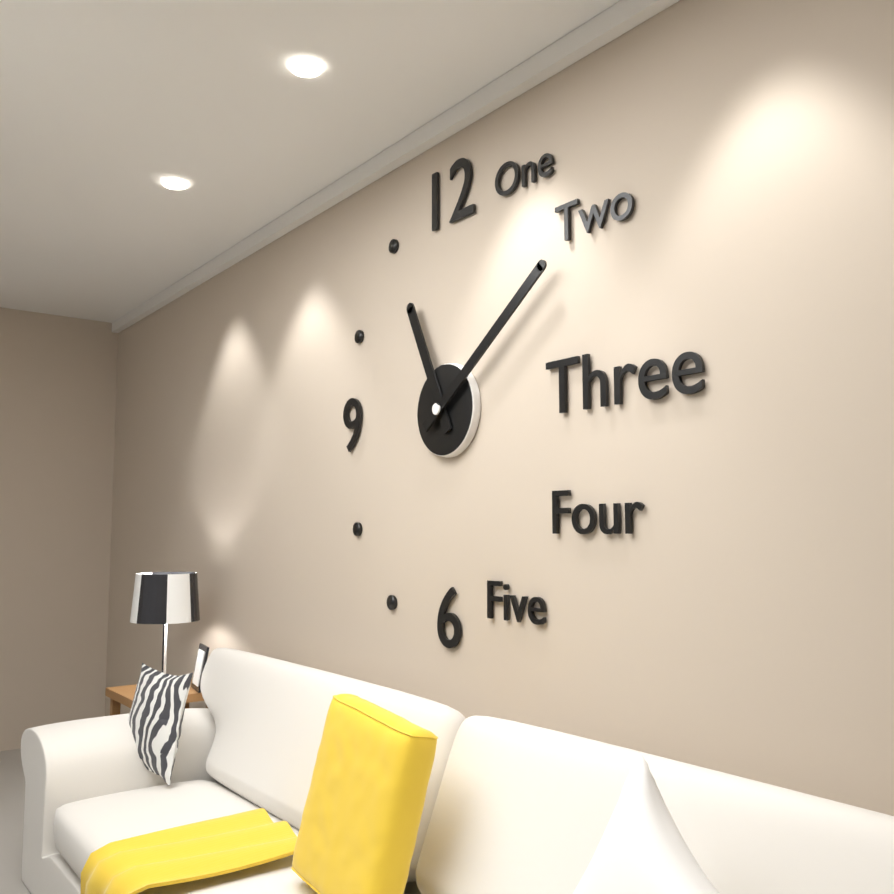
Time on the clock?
11:09
